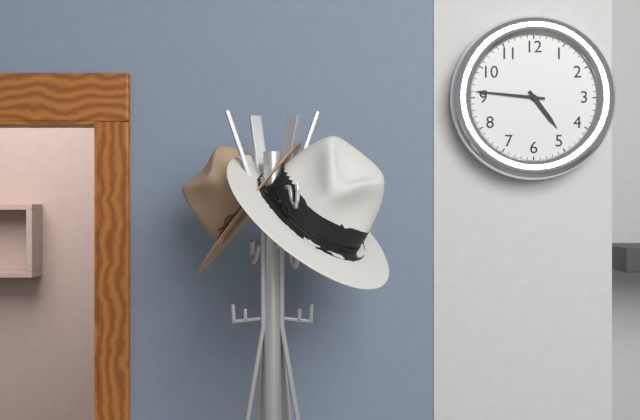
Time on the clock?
4:46
